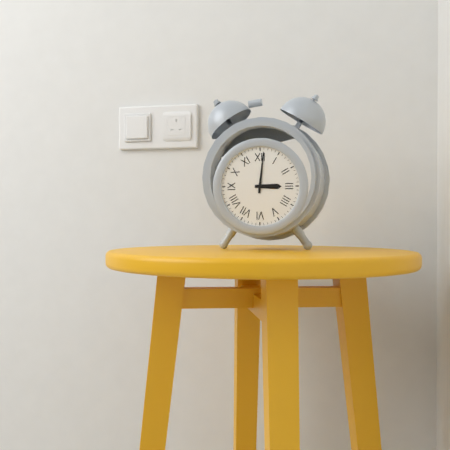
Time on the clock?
3:01
